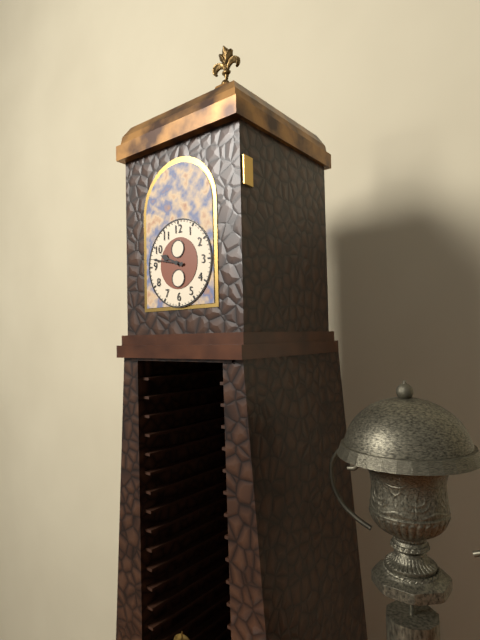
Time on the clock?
9:47
